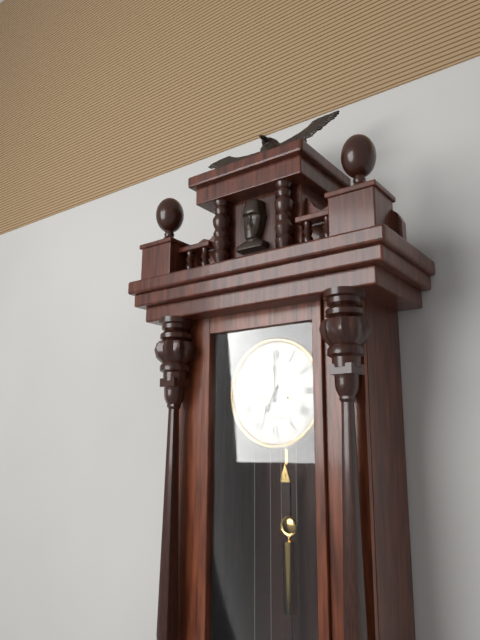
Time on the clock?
7:00
